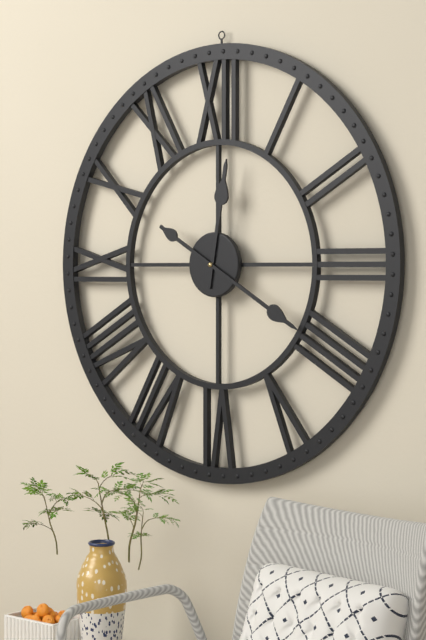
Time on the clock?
12:20
